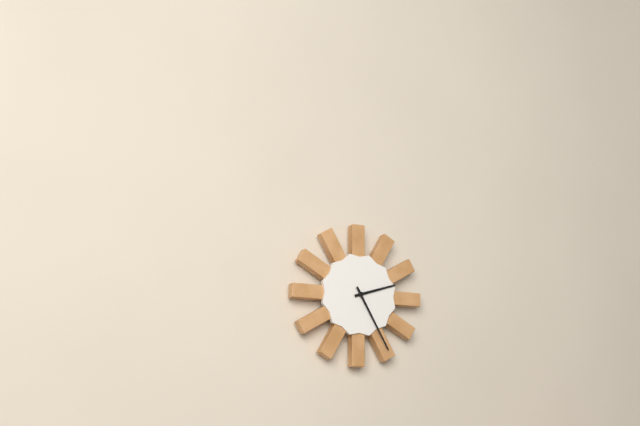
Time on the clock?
2:25
